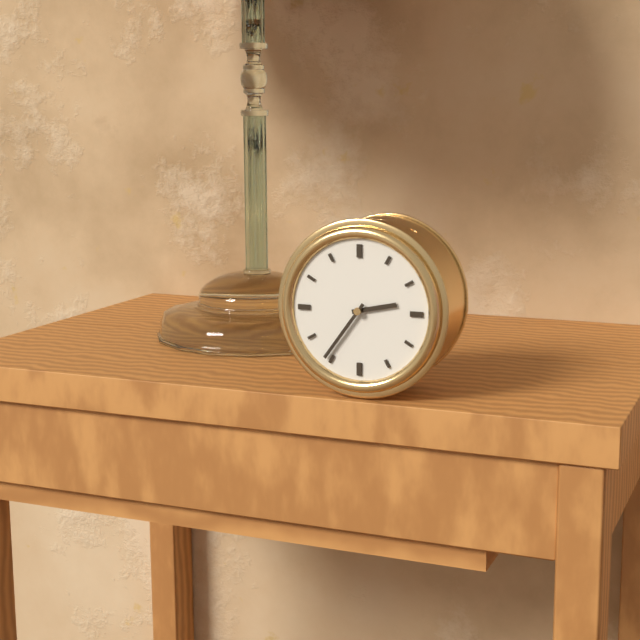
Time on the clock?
2:36
